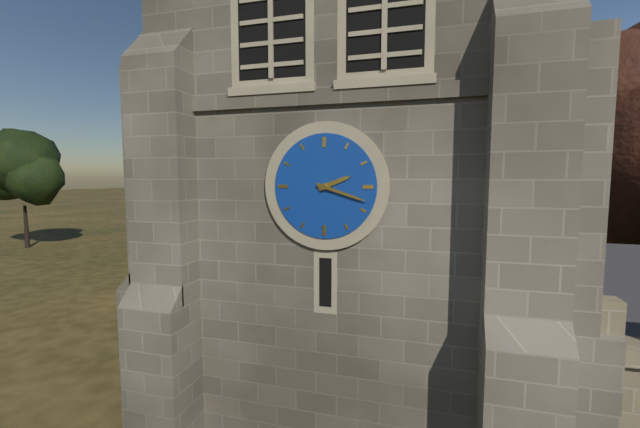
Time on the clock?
2:18
